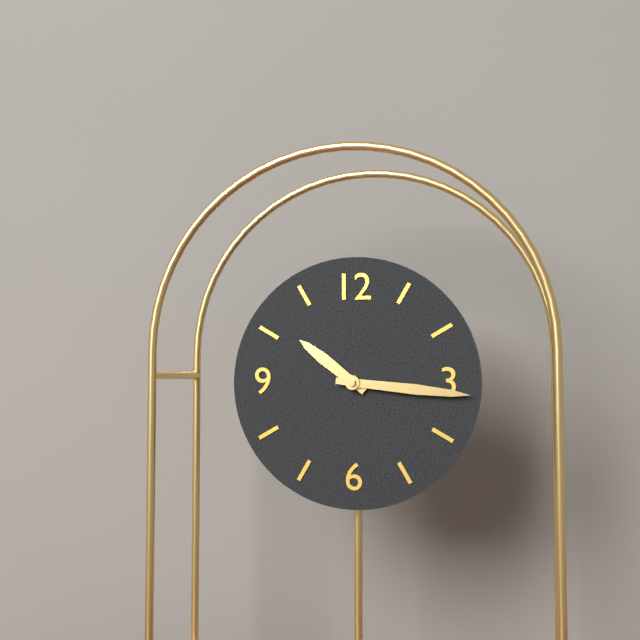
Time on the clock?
10:16
